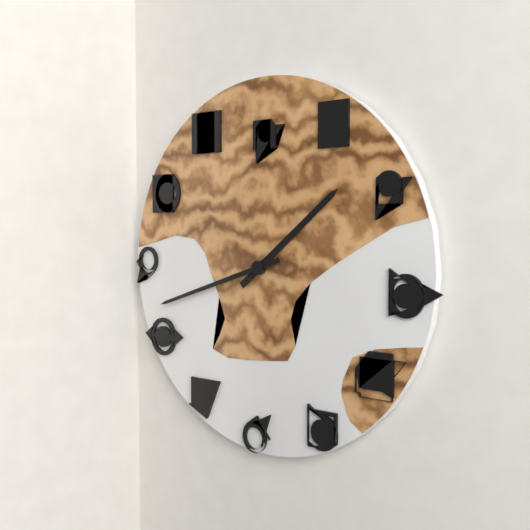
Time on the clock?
1:42
